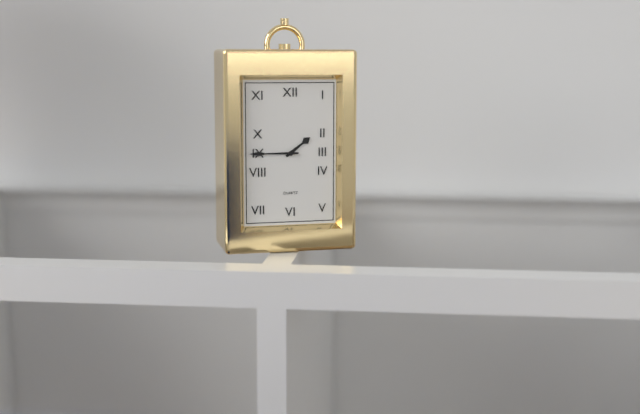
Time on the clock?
1:45
